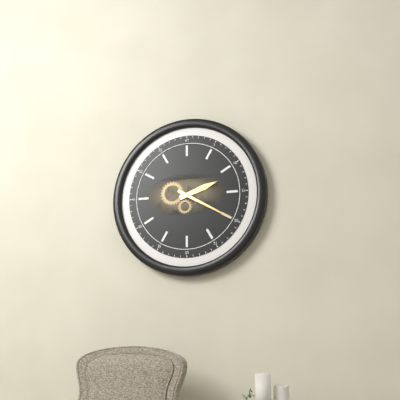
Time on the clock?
2:20
